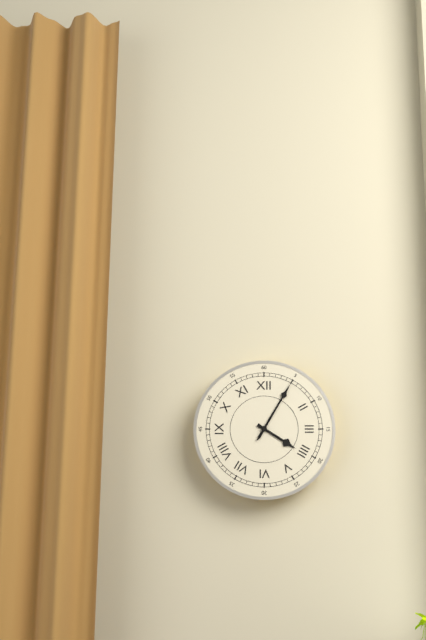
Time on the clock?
4:05:05
